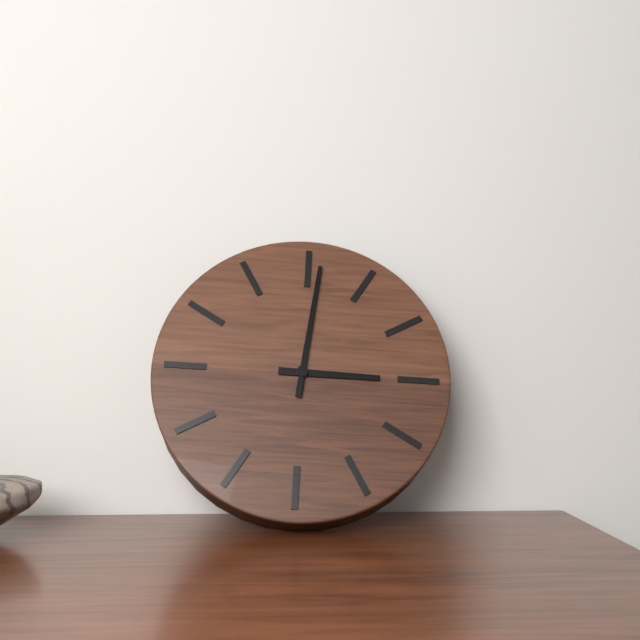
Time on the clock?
3:01
